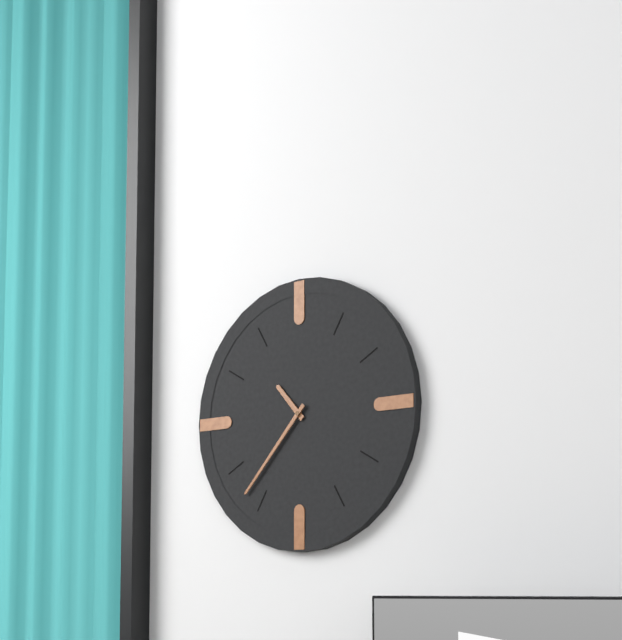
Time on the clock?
10:37
